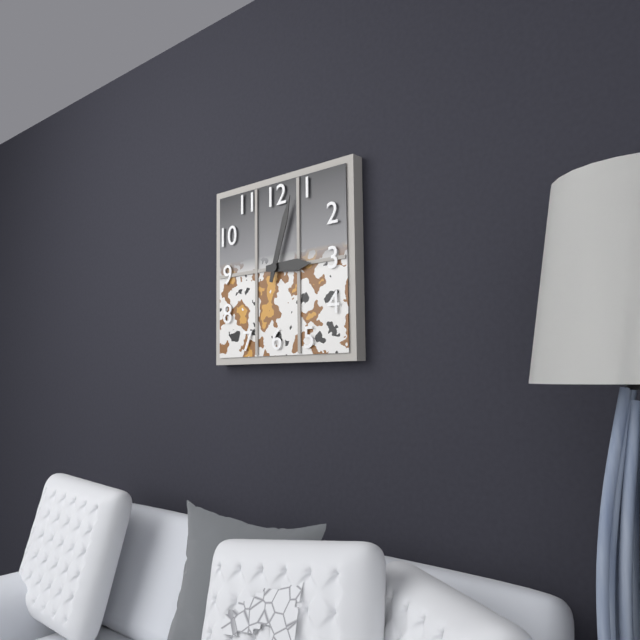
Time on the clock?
3:03
